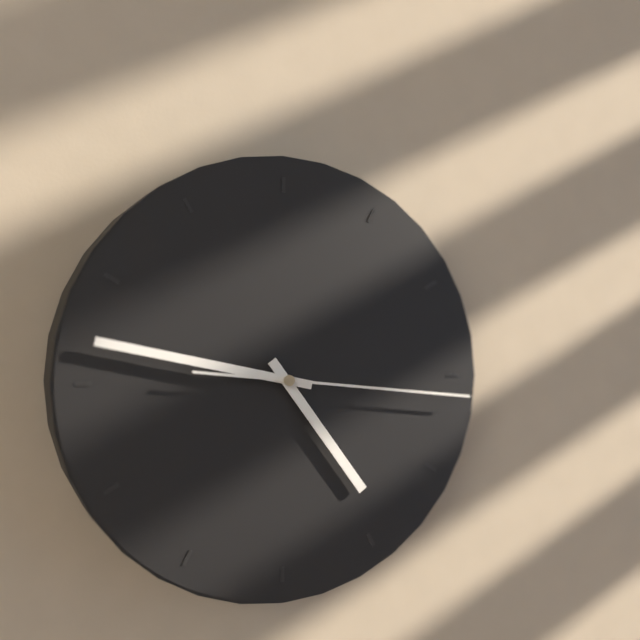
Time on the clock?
4:47:16
